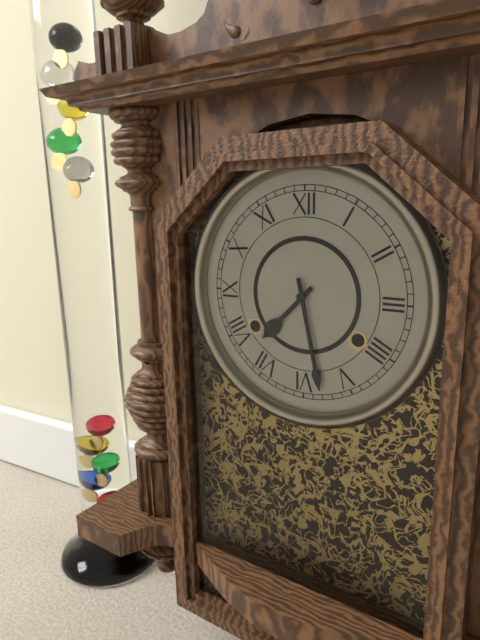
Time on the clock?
7:28
